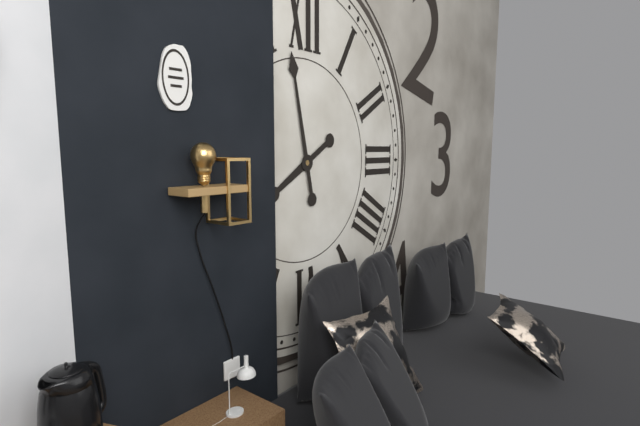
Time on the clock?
7:58
